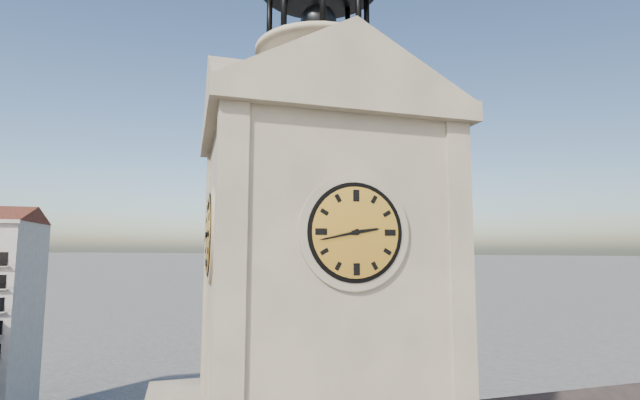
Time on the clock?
2:43
